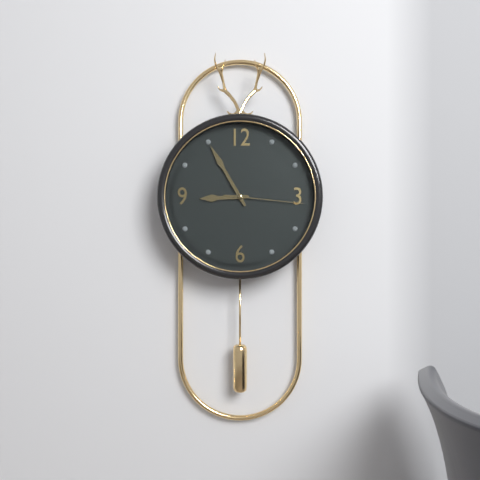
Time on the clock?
8:55:16
